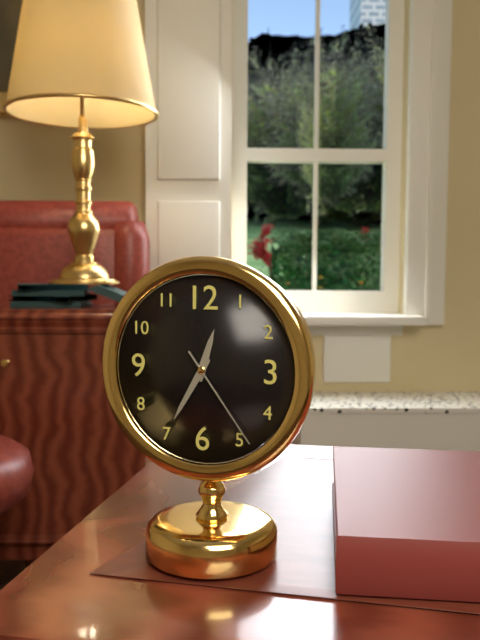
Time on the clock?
12:35:24
